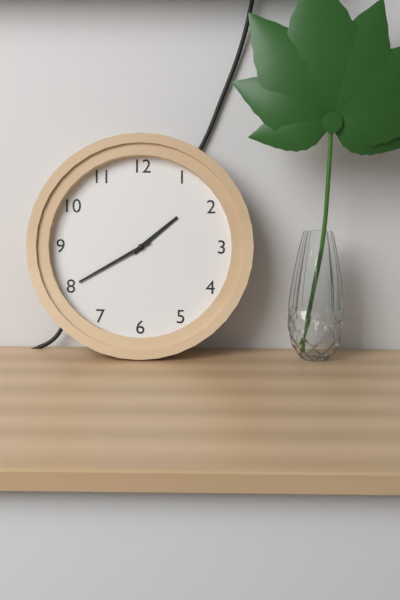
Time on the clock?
1:40
